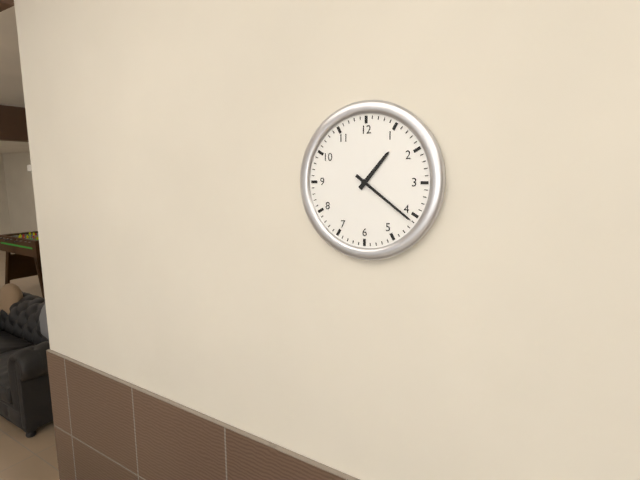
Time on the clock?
1:21
